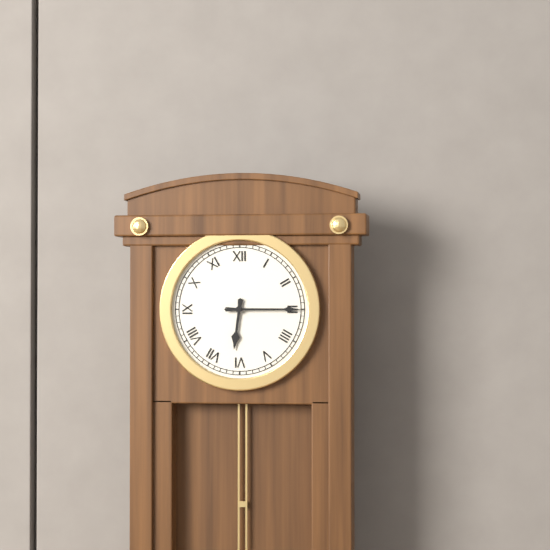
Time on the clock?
6:15
